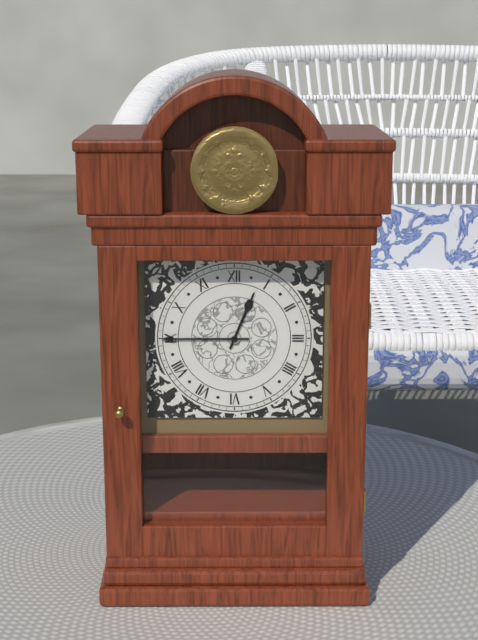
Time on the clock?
12:45
